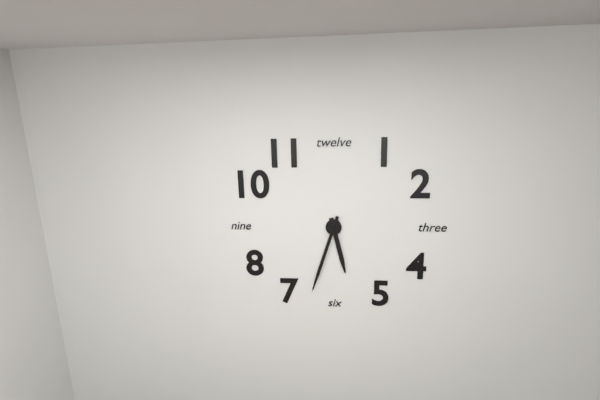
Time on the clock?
5:33
